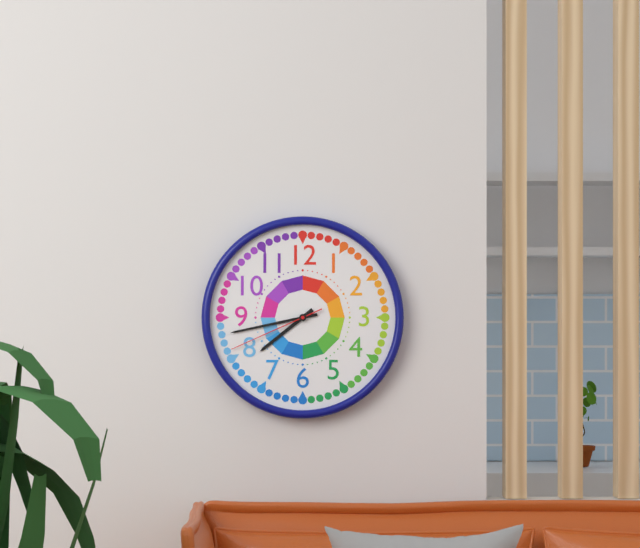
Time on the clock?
7:43:41
